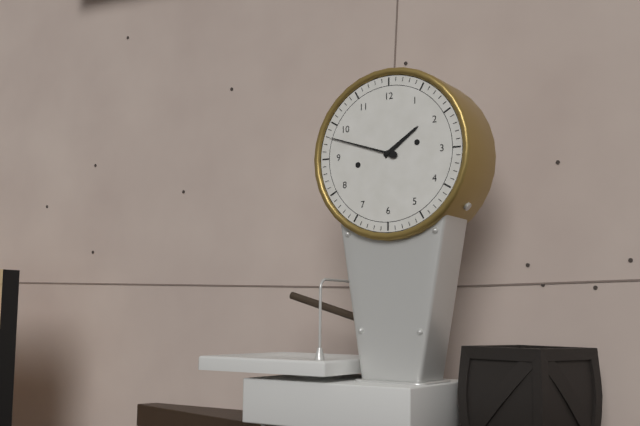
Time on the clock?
1:48
